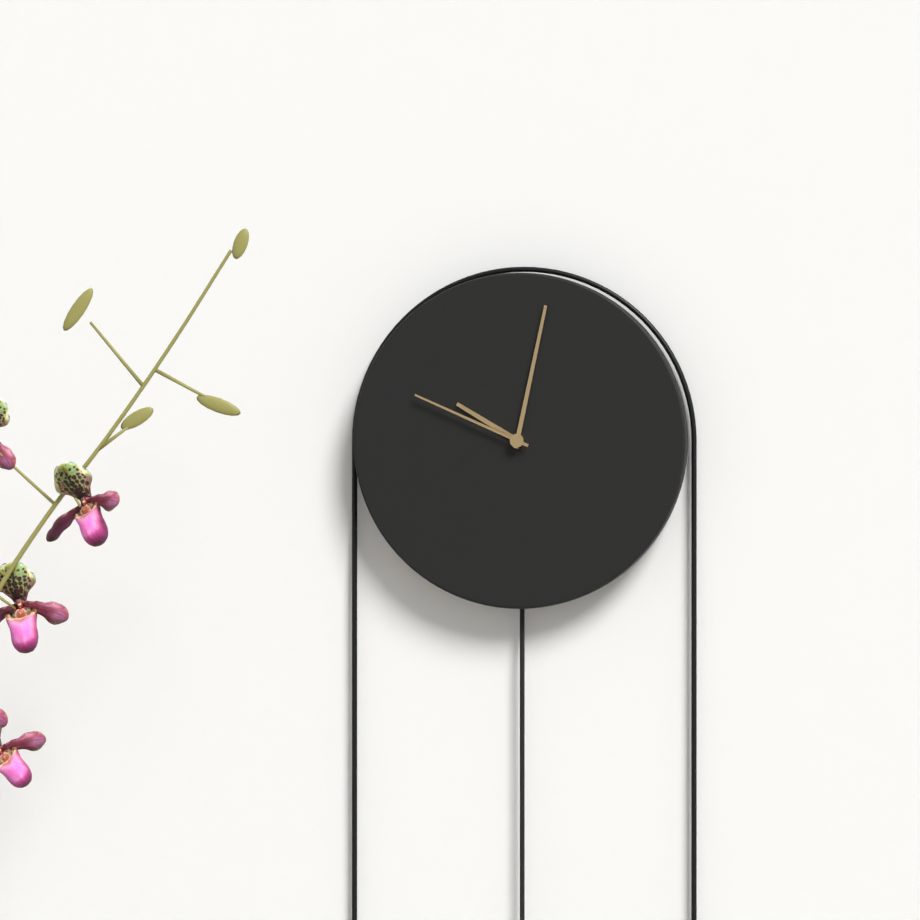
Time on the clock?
10:02:49
